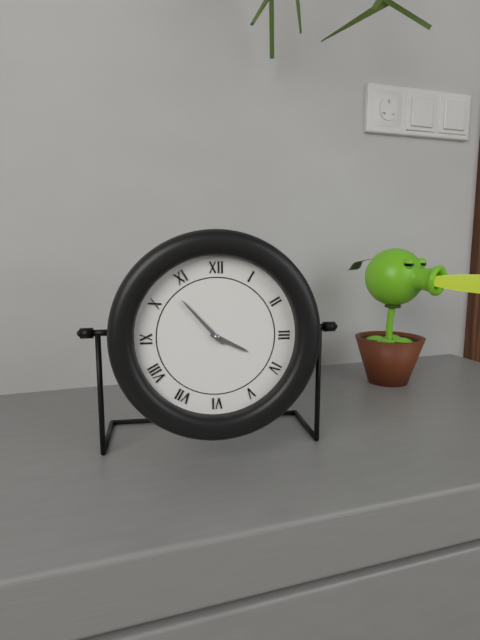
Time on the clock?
3:53
